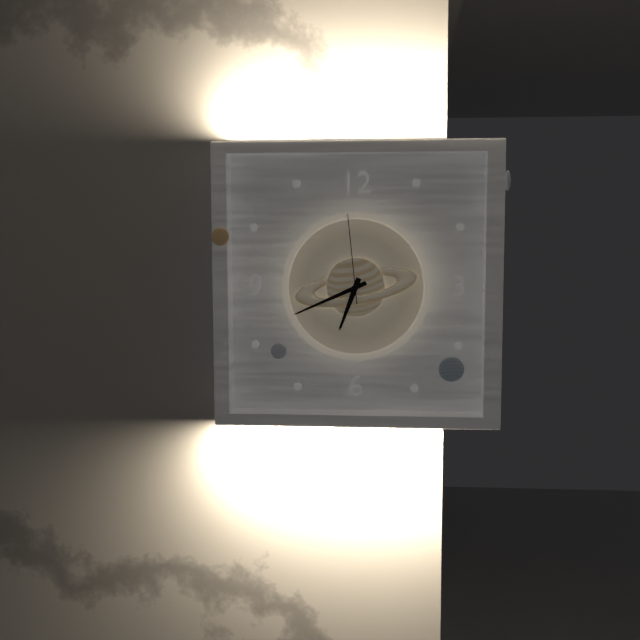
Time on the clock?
6:41:59
